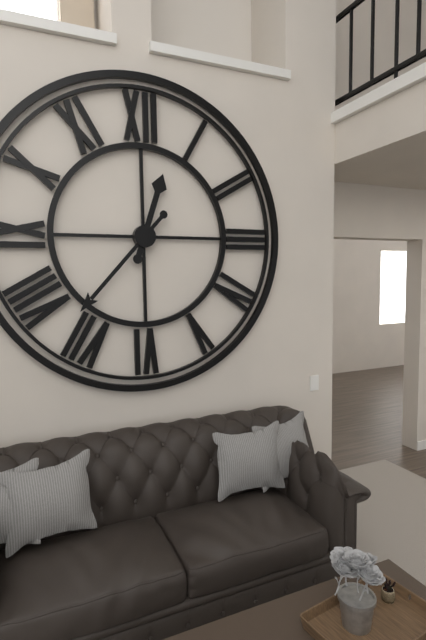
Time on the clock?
12:37
